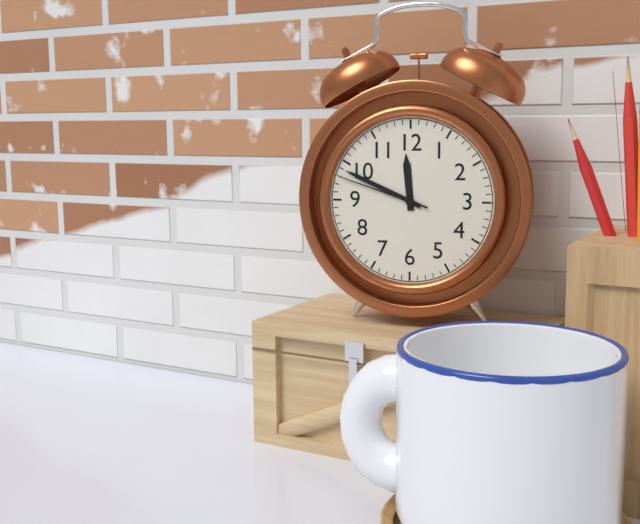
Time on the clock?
11:49:48
